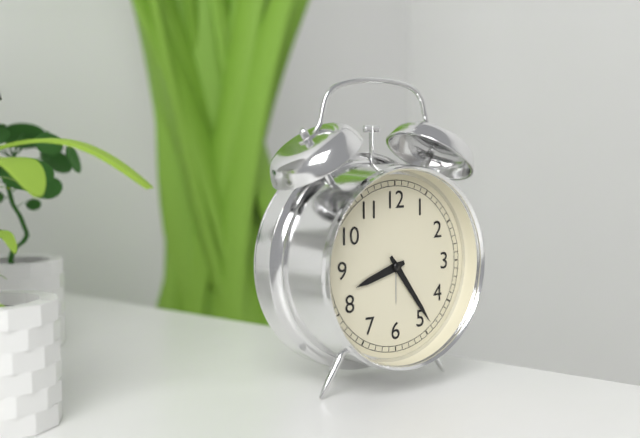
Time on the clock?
8:24
